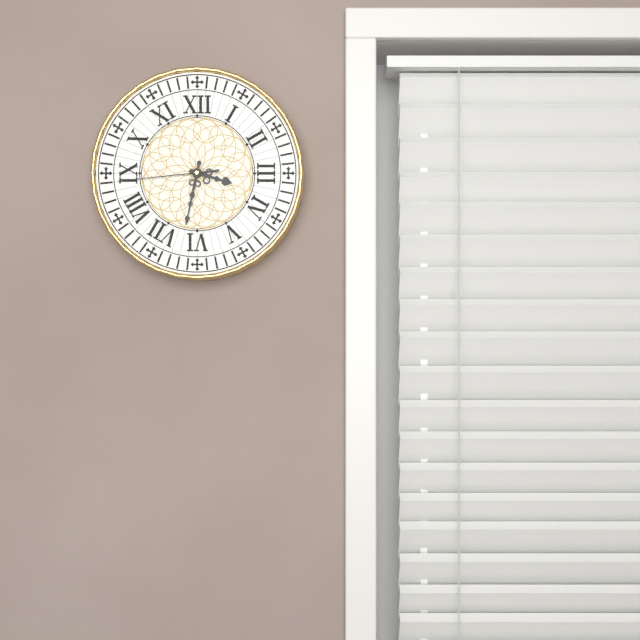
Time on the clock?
3:32:44
